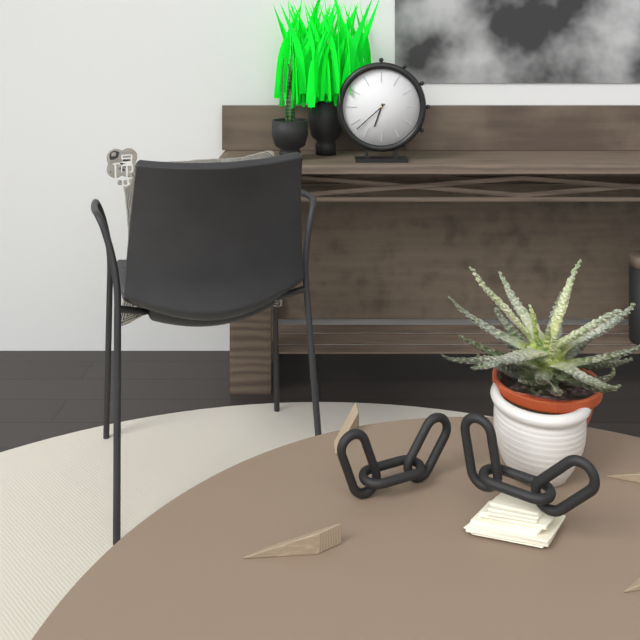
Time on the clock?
6:38
